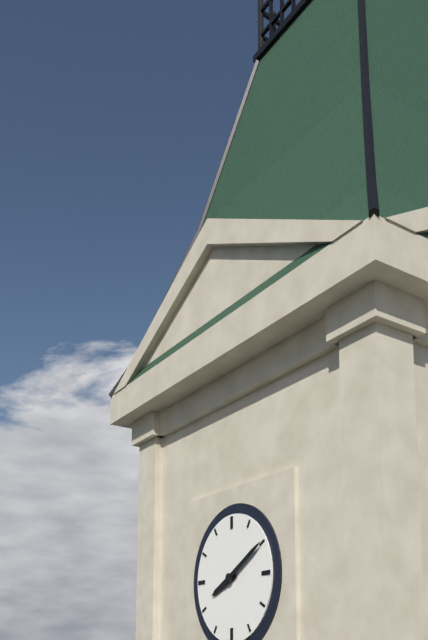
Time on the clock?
8:10
